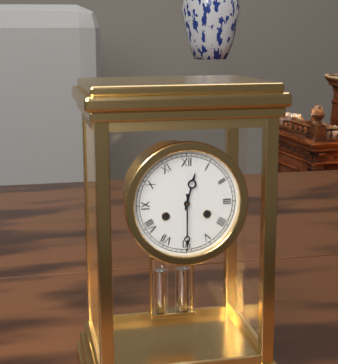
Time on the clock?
12:30
